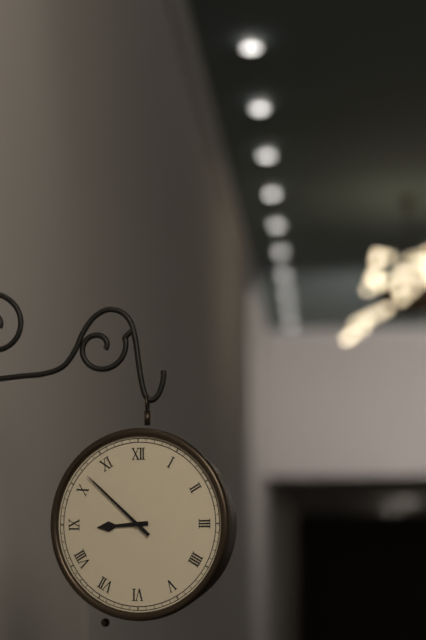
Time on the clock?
8:52
